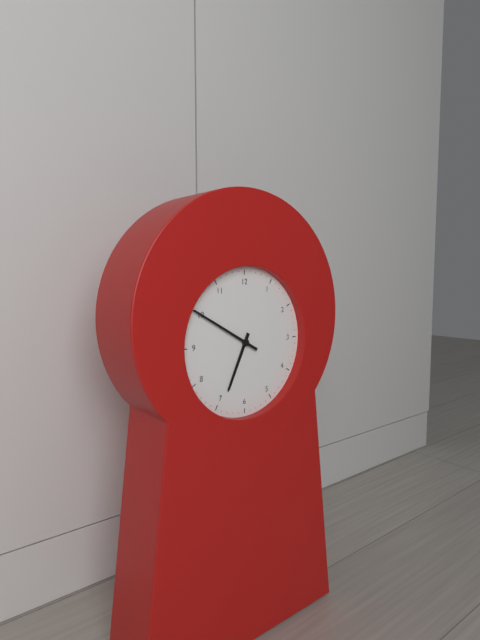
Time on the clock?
6:50
